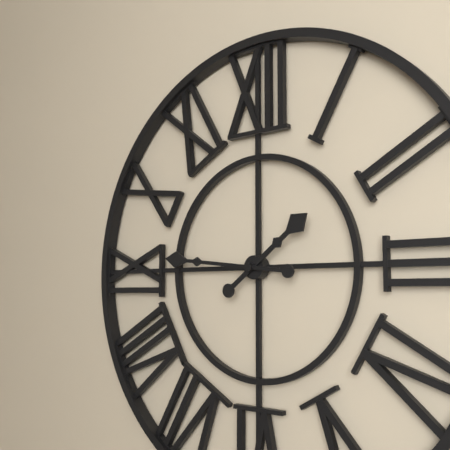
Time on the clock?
1:46
